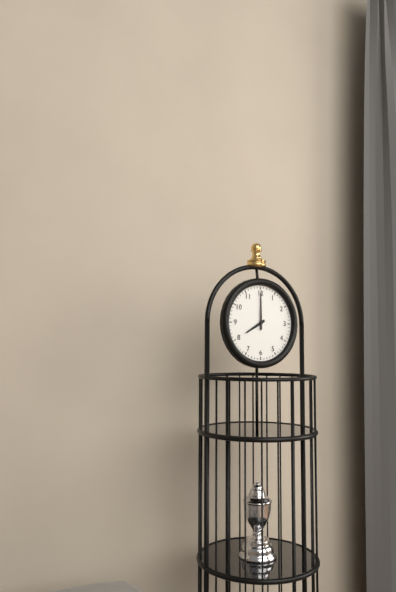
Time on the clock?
8:00
